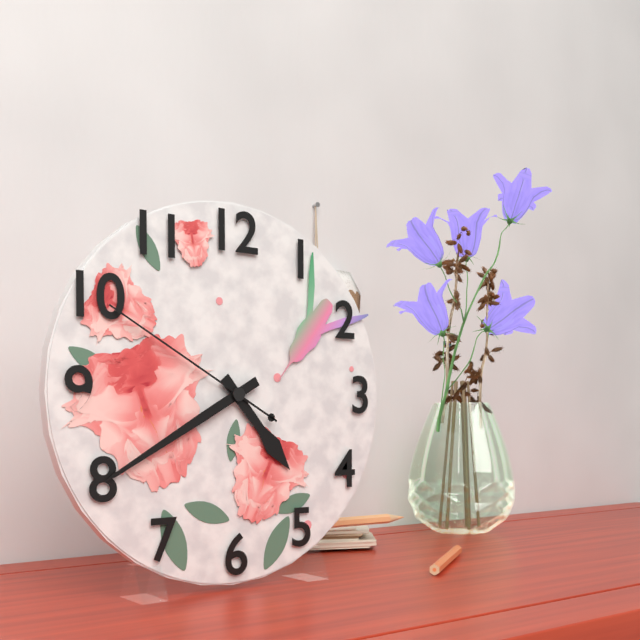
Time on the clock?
4:40:50
